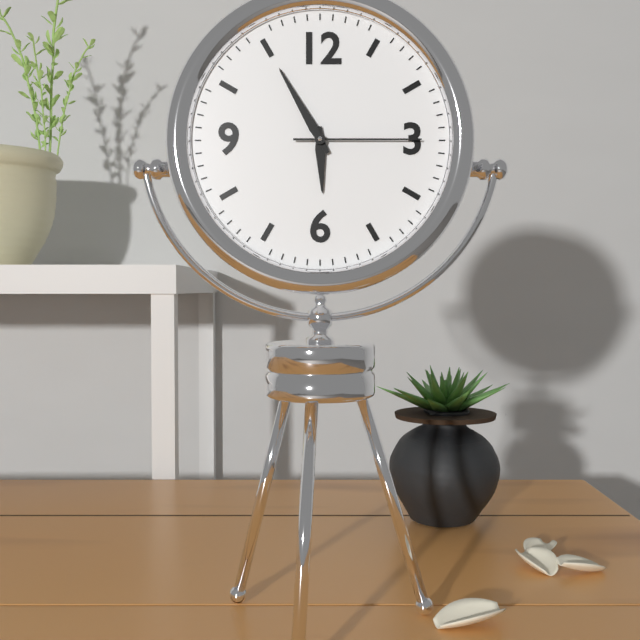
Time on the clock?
5:55:15
